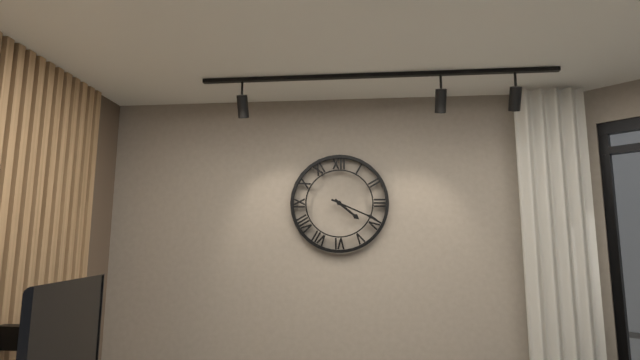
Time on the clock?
4:19
